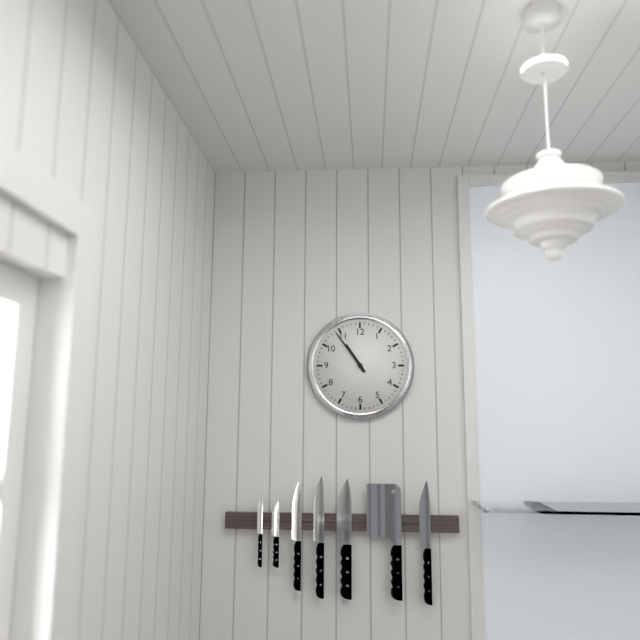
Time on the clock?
10:54
